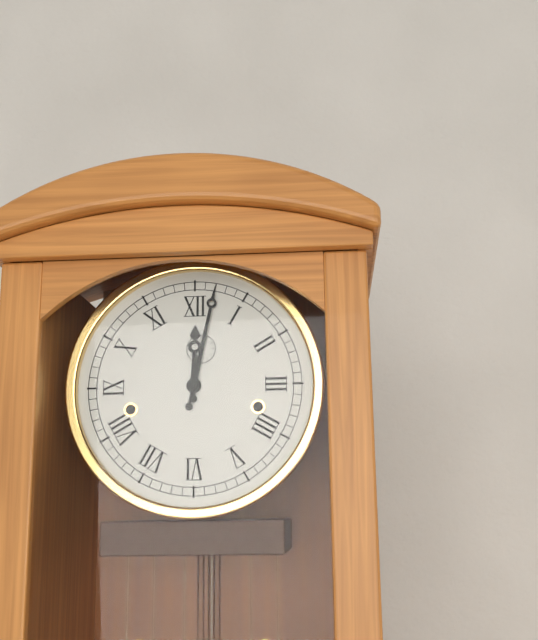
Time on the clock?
12:02
